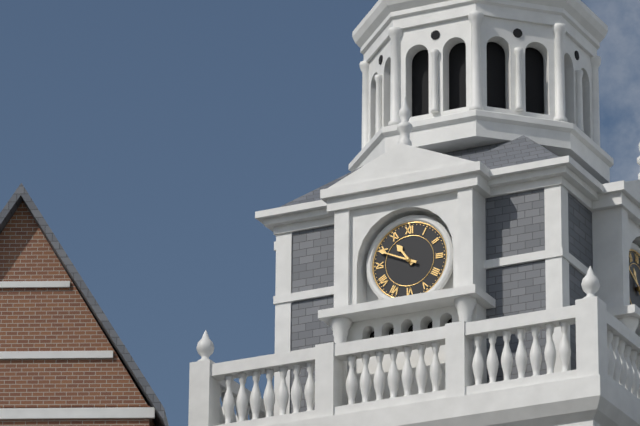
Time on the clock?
10:49
